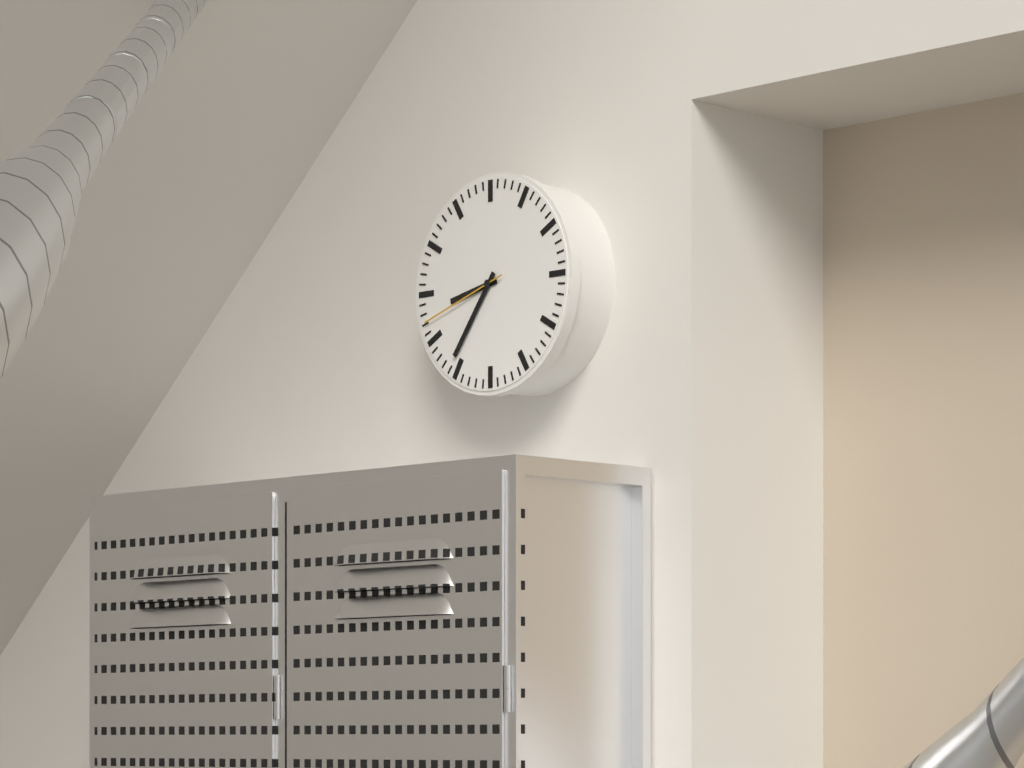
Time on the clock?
8:36:42
